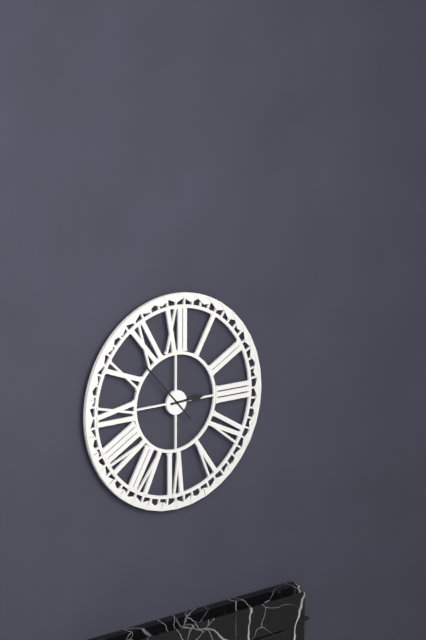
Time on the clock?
2:53
